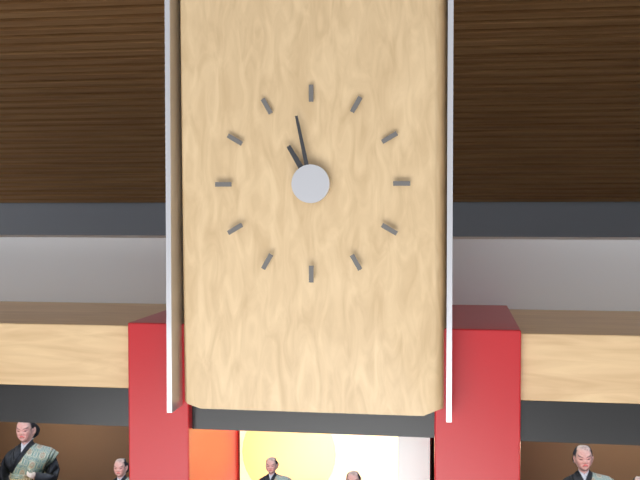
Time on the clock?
10:58
